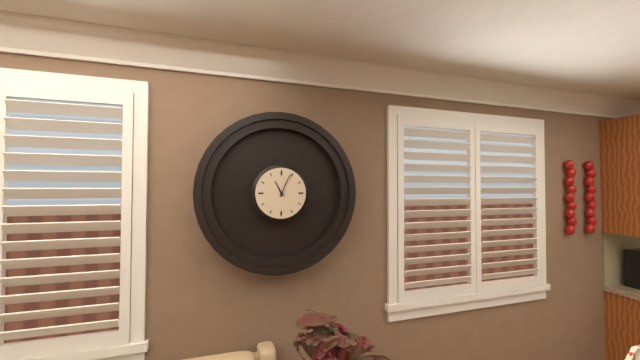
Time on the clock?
11:04
